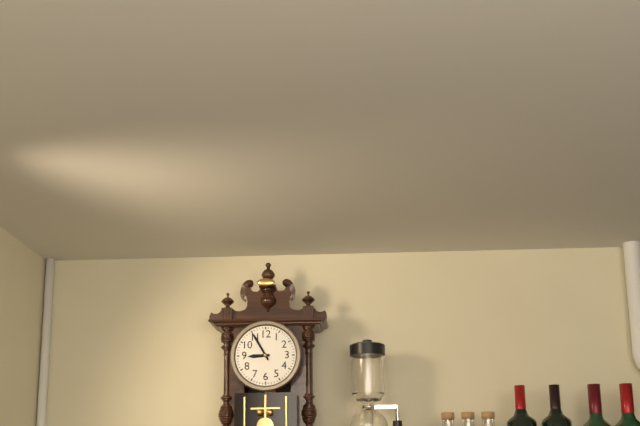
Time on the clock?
8:55
